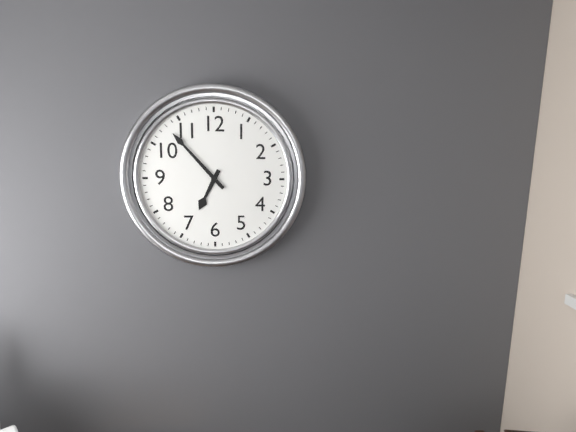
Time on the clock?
6:53
